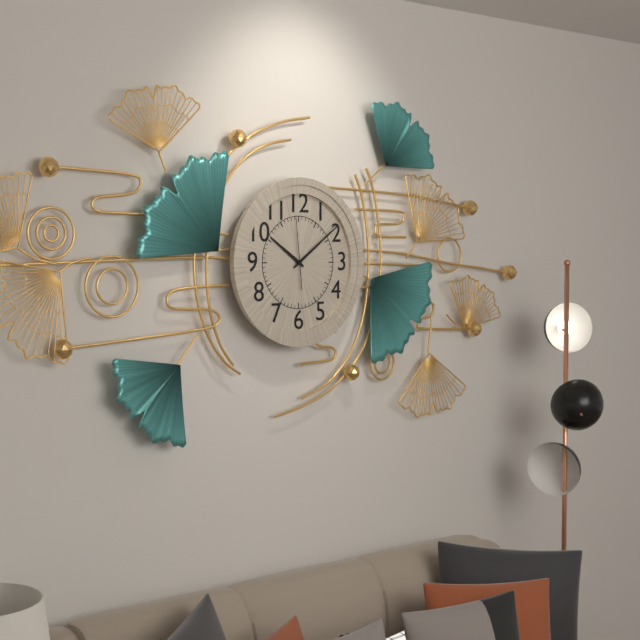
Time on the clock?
10:09:59
